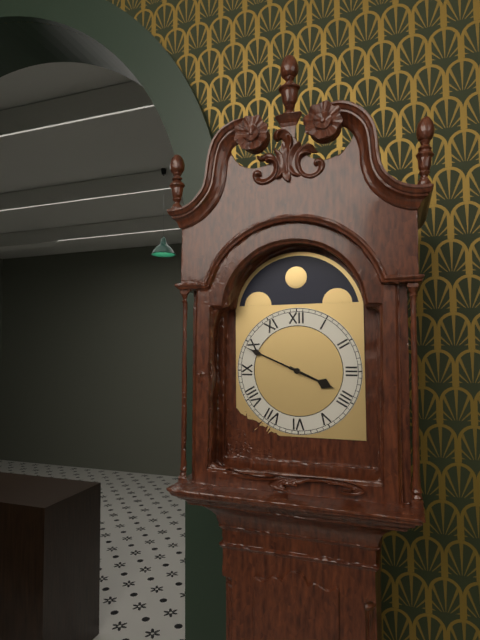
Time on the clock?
3:49
